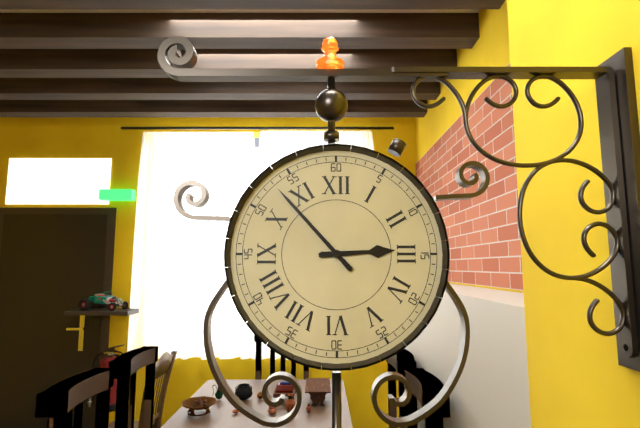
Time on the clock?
2:53
